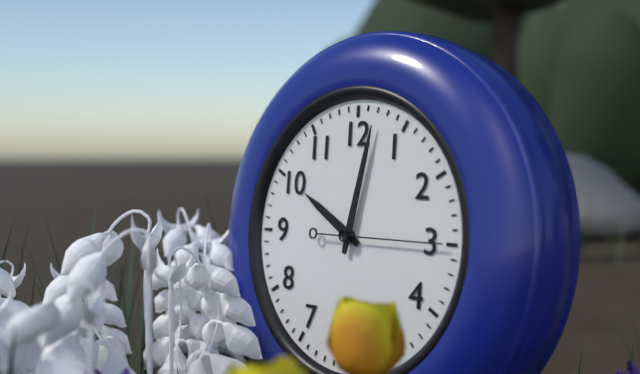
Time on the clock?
10:02:15
